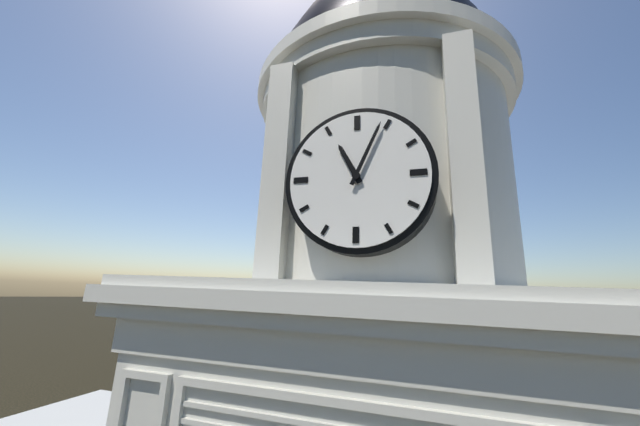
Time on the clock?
11:04
